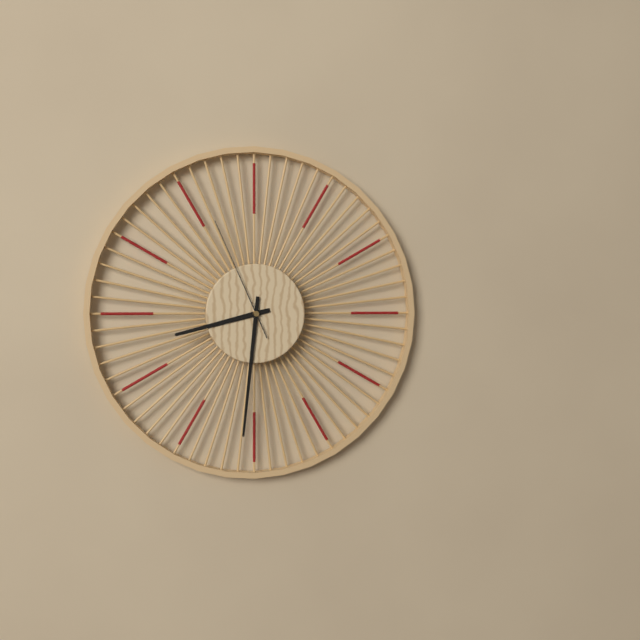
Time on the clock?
8:31:56
